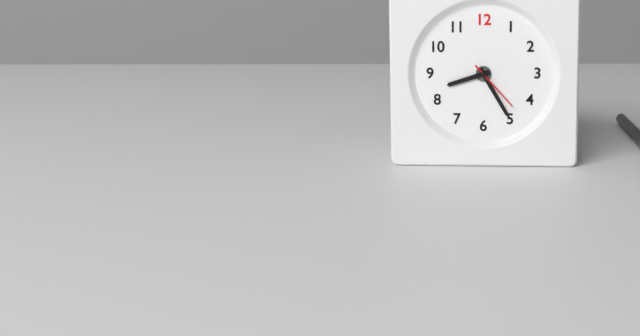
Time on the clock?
8:25:23
